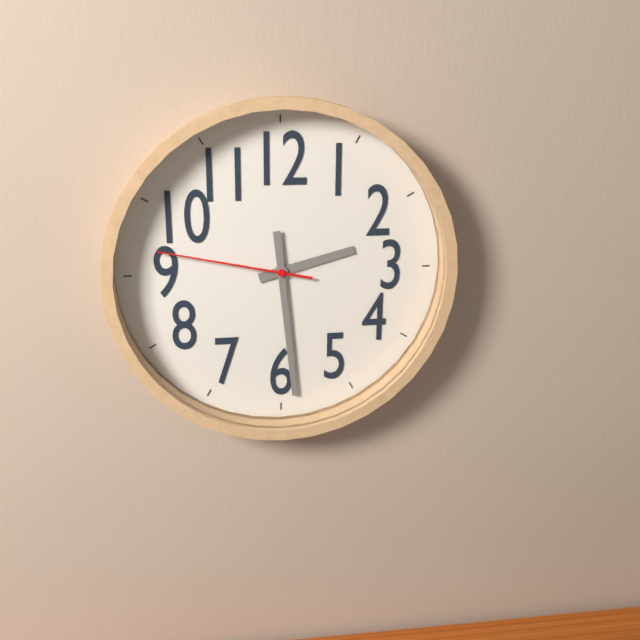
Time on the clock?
2:29:47
